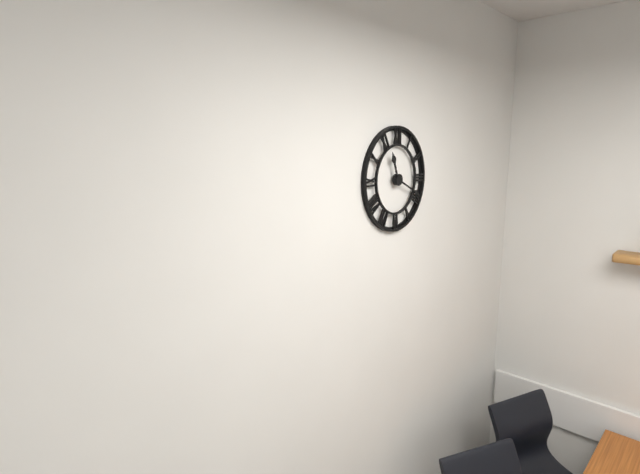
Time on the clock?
11:19
